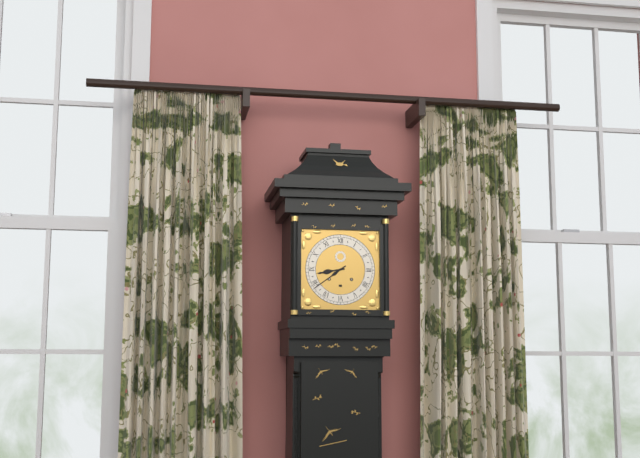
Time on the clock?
8:39
